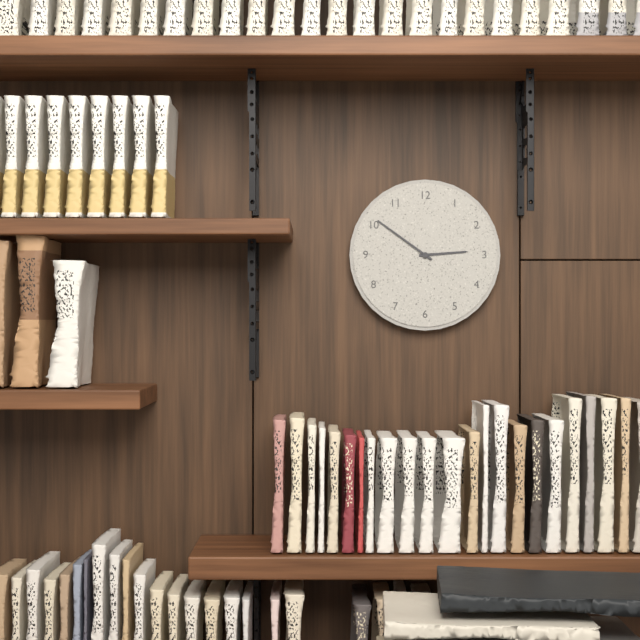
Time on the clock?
2:51
